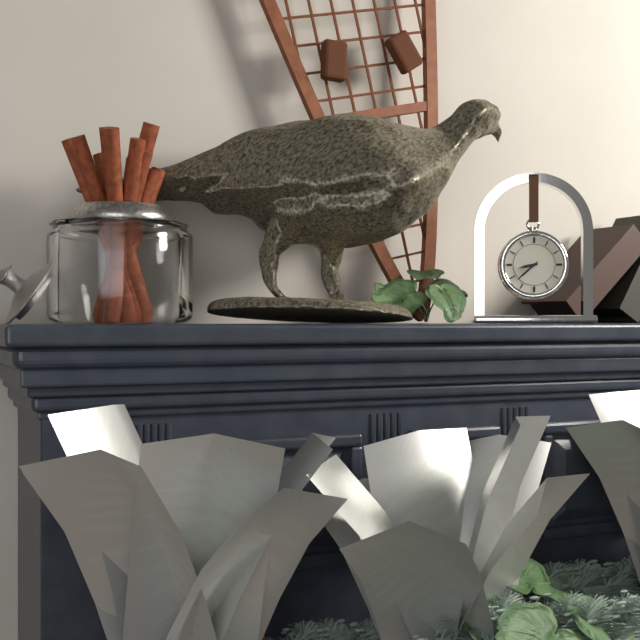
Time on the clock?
8:38
